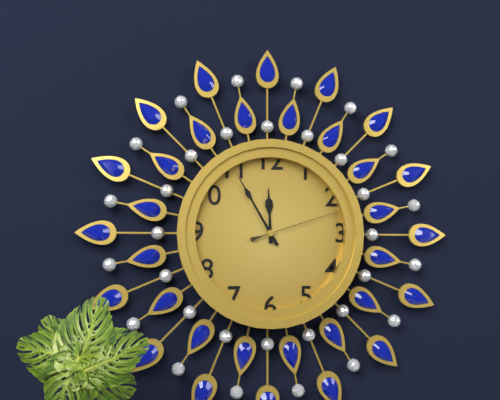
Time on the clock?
11:55:12
